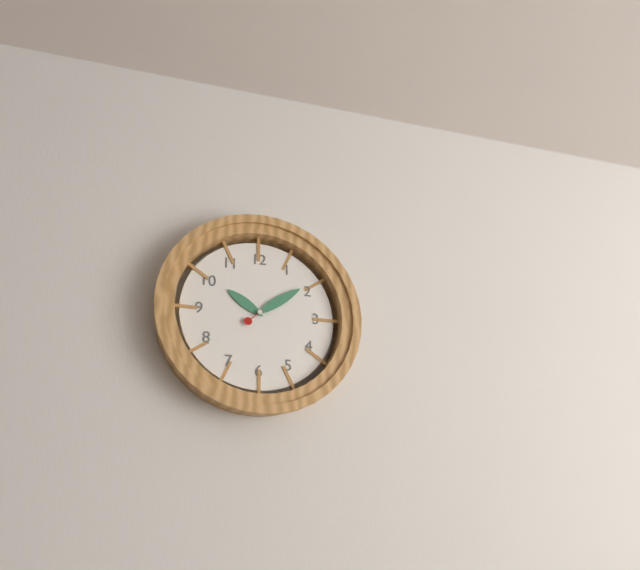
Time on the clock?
10:09
